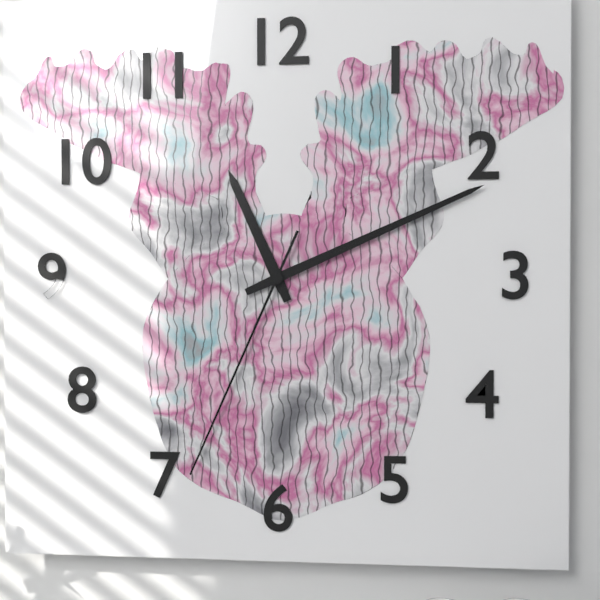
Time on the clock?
11:11:34
